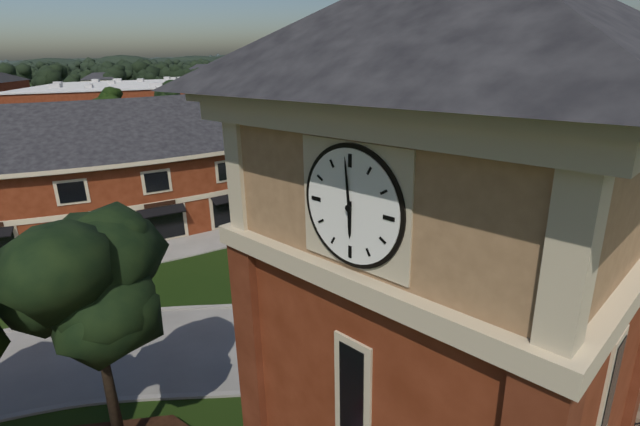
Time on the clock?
5:59
